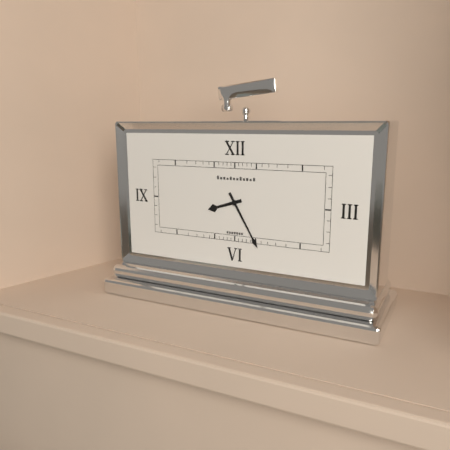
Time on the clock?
8:25
